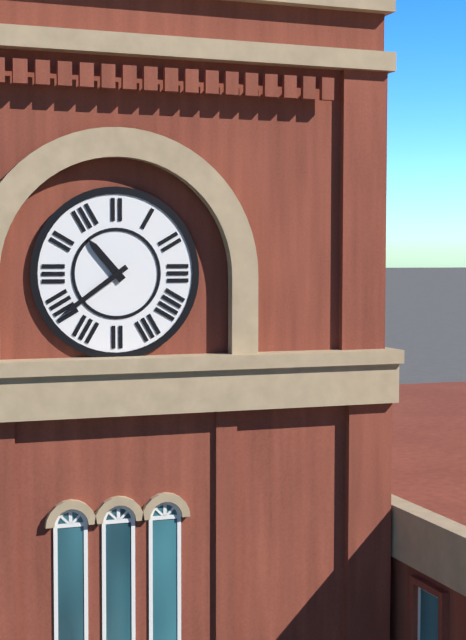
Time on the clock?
10:39
